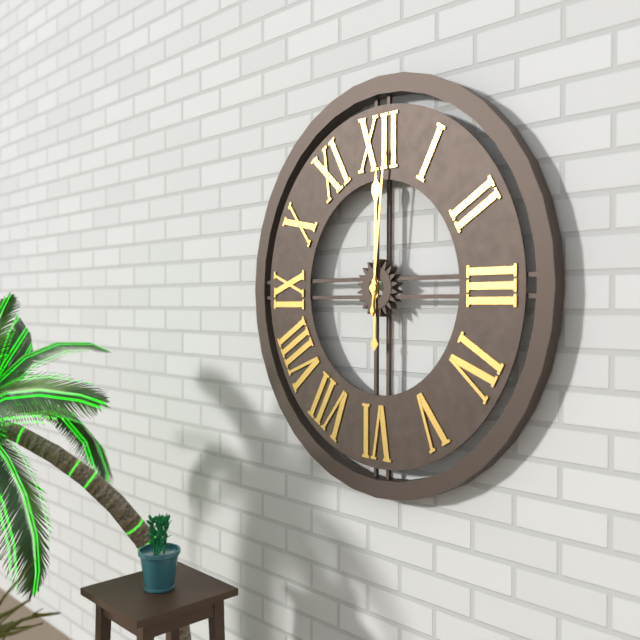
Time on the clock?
12:01
